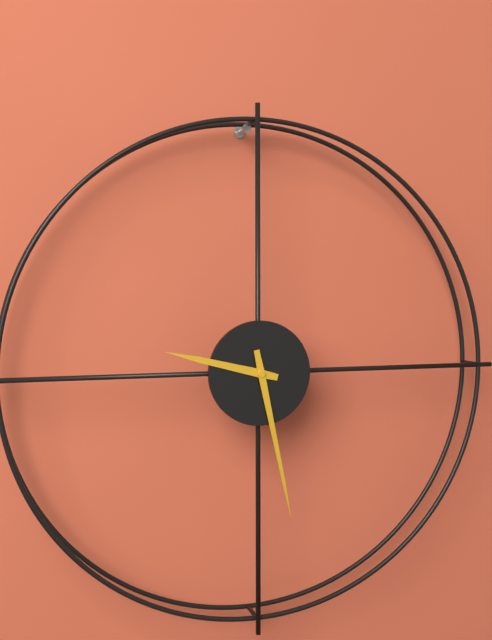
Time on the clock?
9:28
